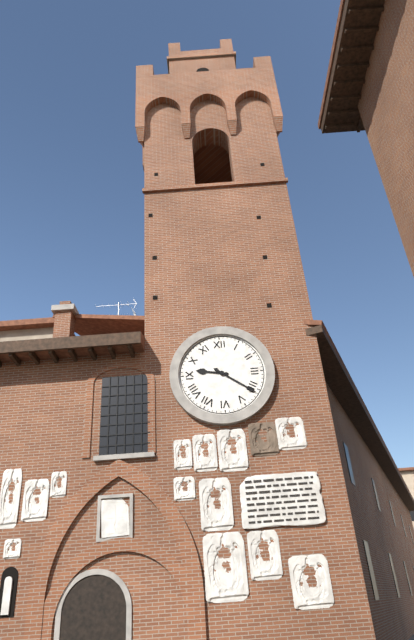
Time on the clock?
9:21
